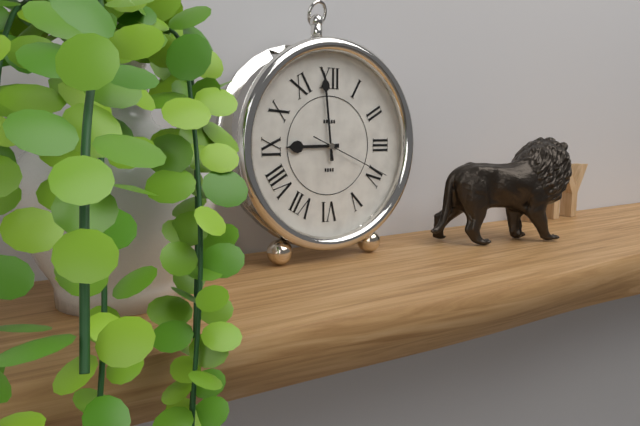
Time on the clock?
8:59:19
